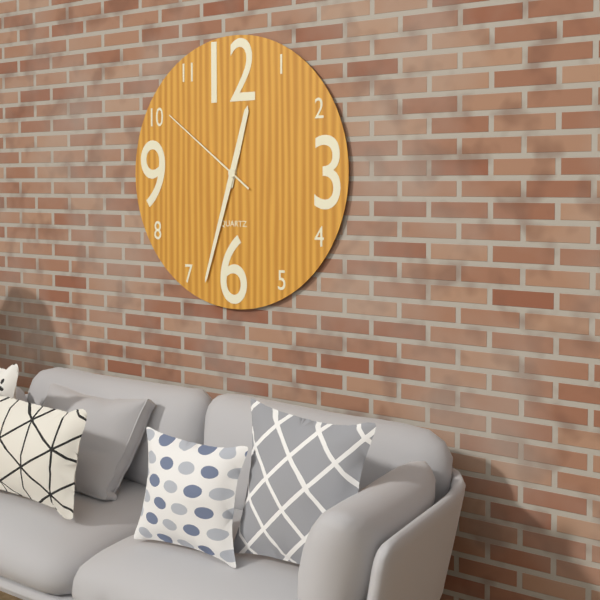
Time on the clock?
12:33:51
